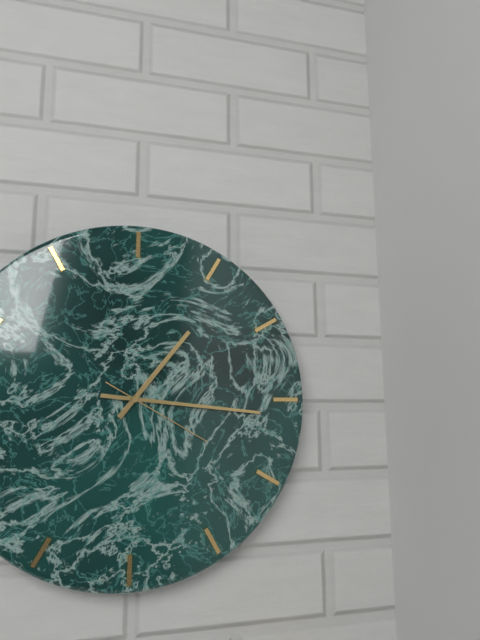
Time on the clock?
1:16:20
